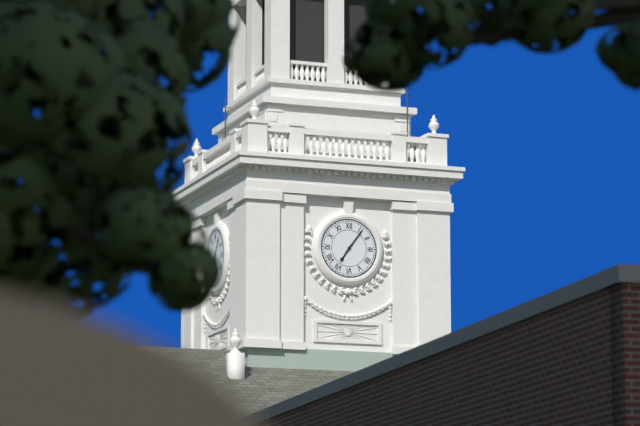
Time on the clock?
7:06
